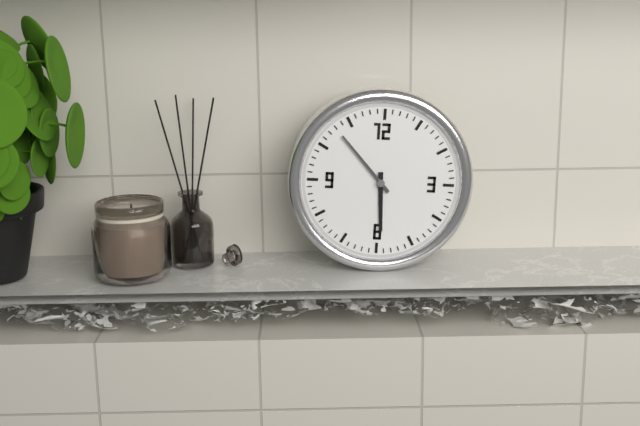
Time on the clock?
5:53
